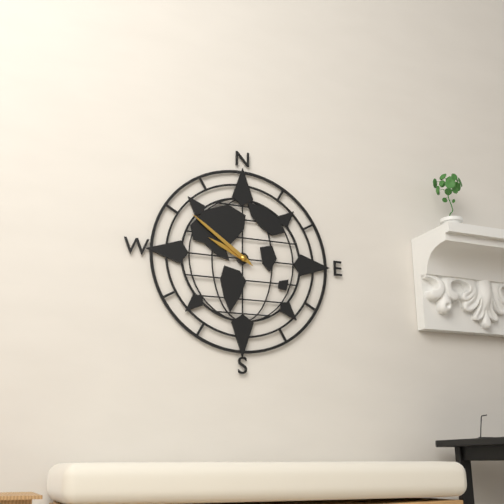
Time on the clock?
9:51
